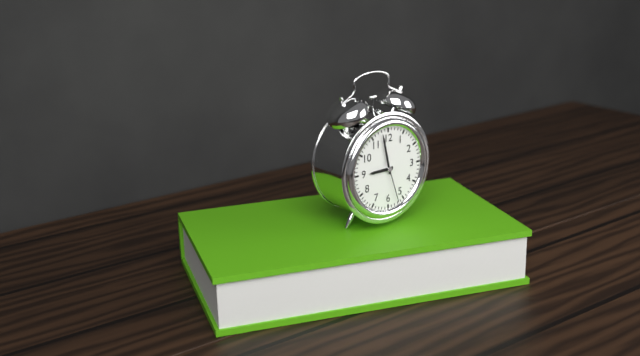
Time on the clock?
8:58
